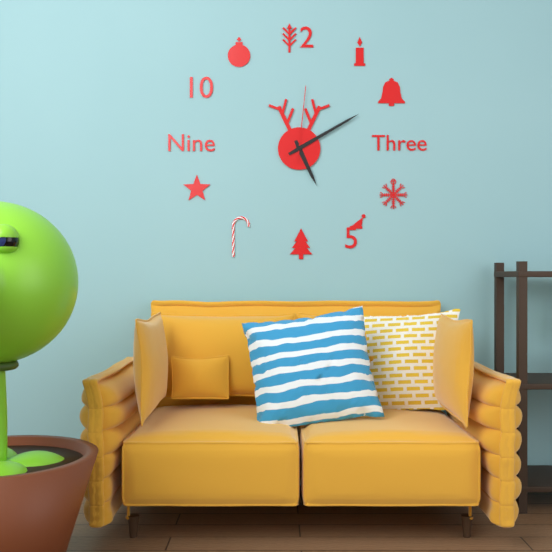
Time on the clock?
5:10:01
